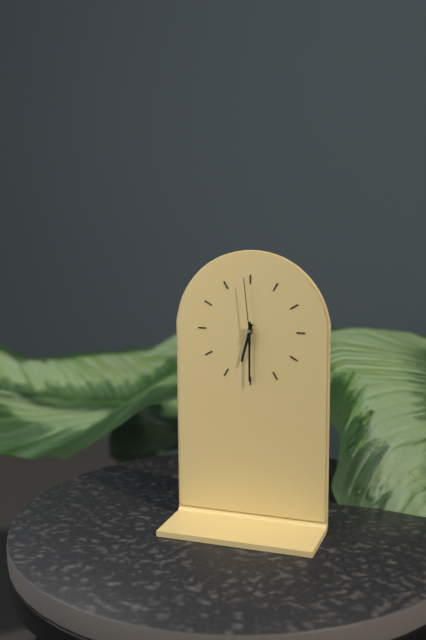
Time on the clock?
6:30:59
